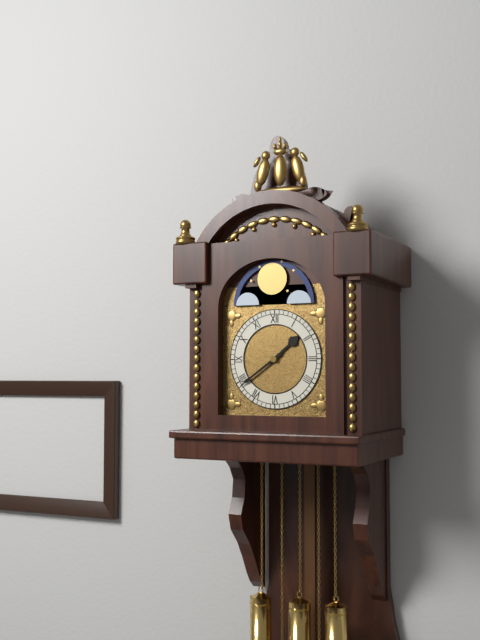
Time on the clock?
1:39
